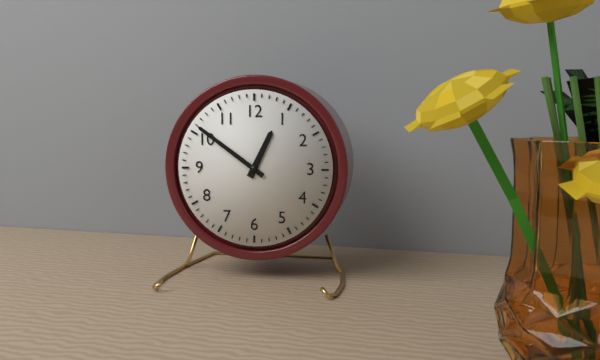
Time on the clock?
12:51
